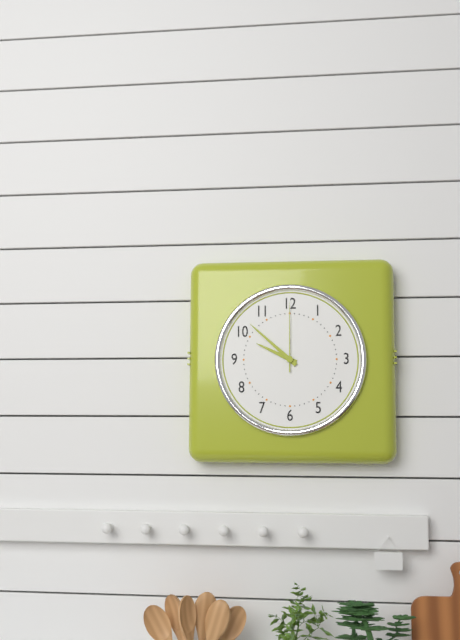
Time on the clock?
9:52:00
